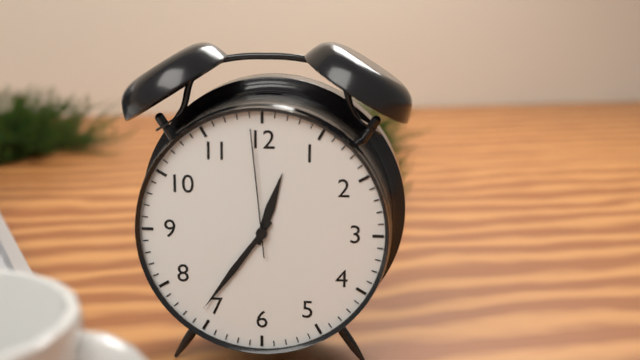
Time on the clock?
12:36:59
